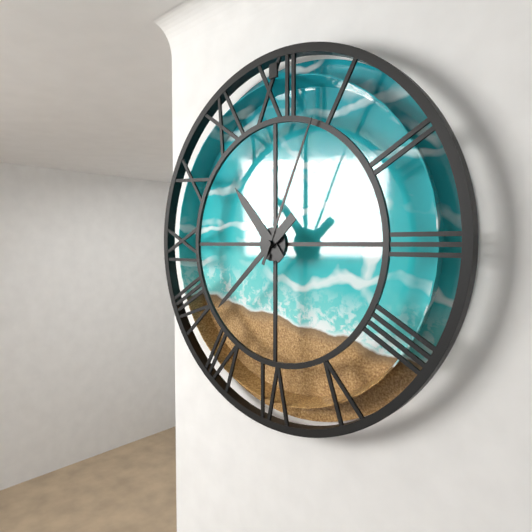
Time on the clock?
10:38:04
